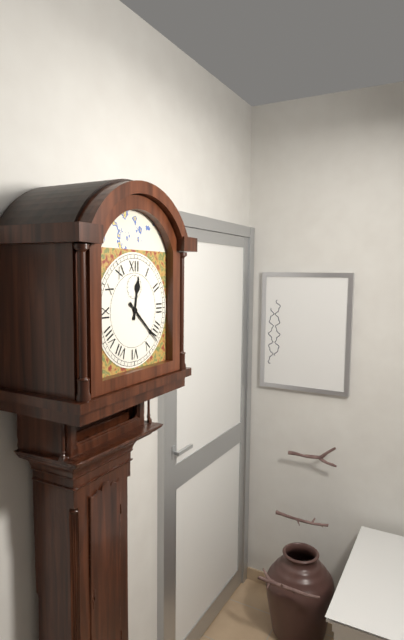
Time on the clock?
12:22
